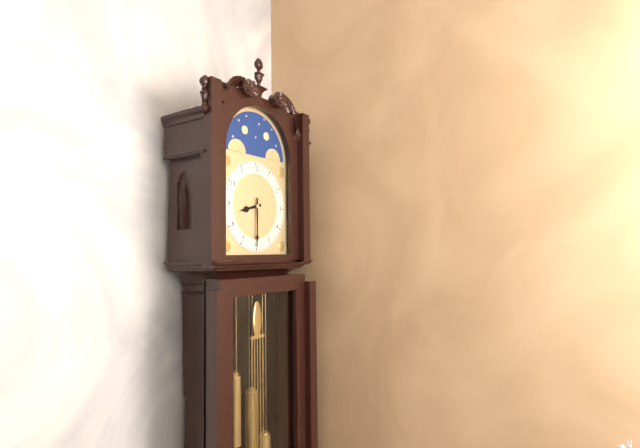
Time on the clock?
8:30
